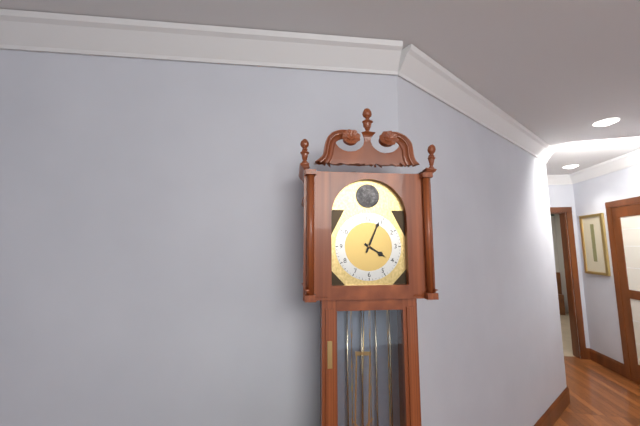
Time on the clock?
4:04
